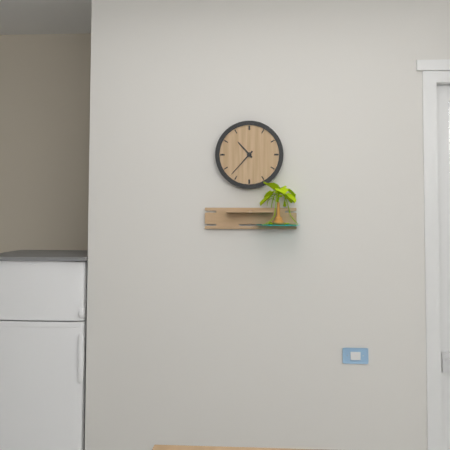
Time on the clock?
10:37
